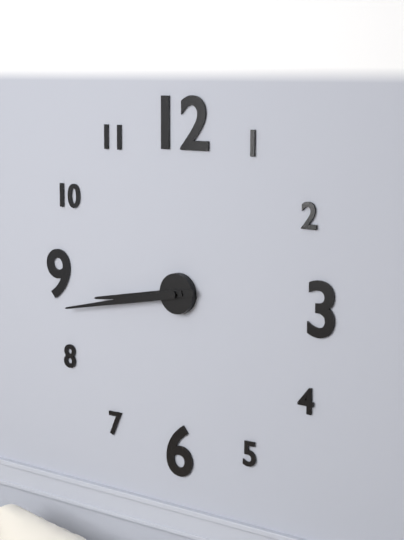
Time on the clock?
8:43
